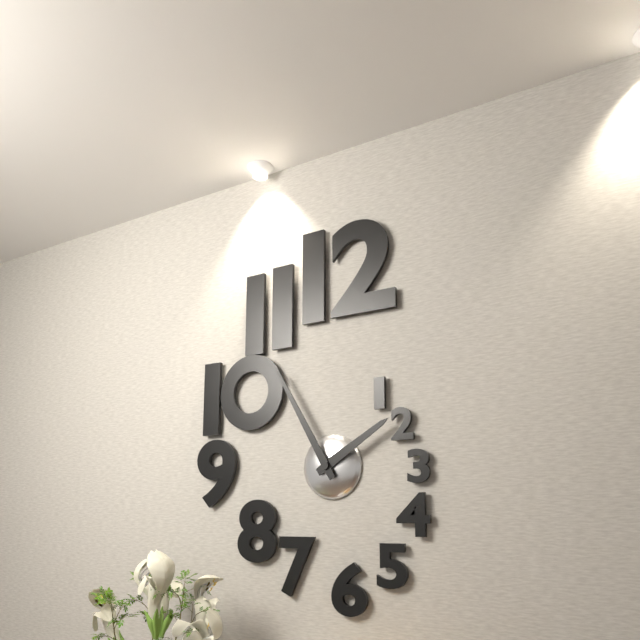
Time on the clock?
1:55
